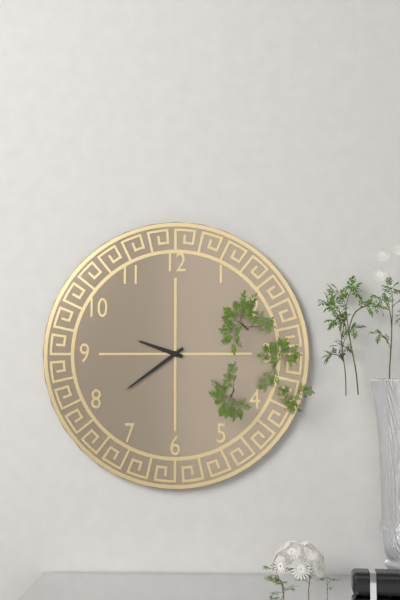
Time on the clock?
9:39
